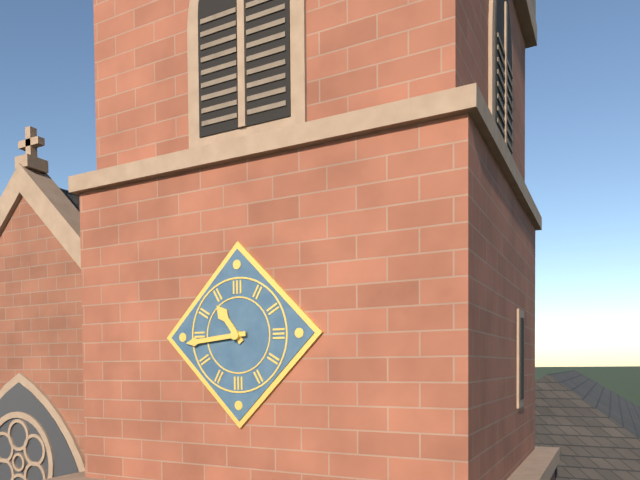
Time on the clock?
10:44
